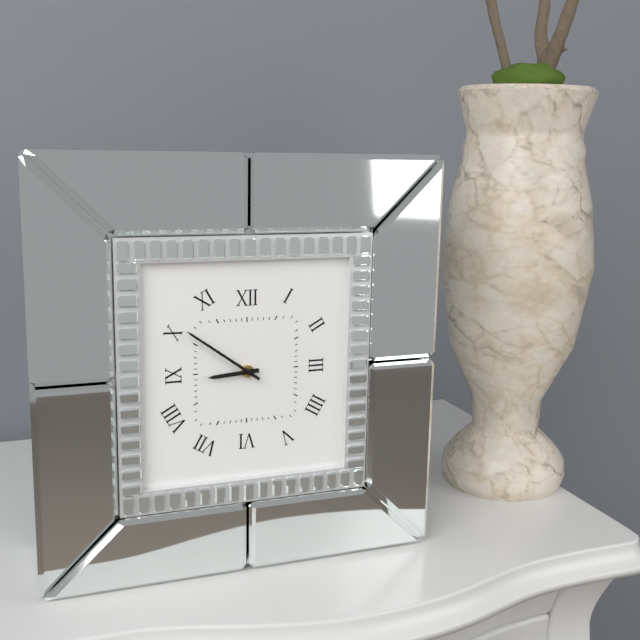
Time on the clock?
8:51
